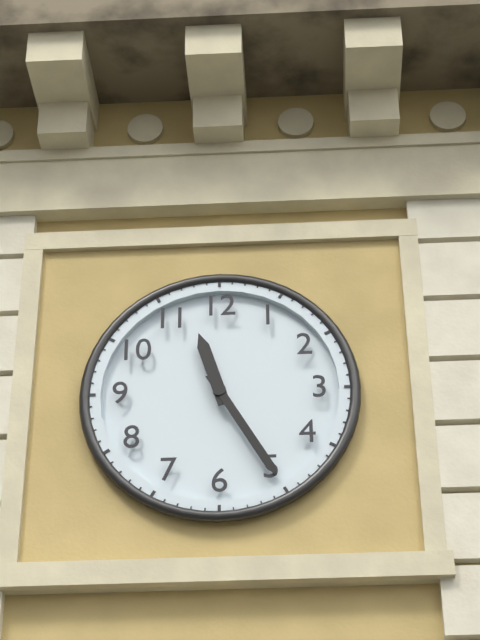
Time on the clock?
11:25
